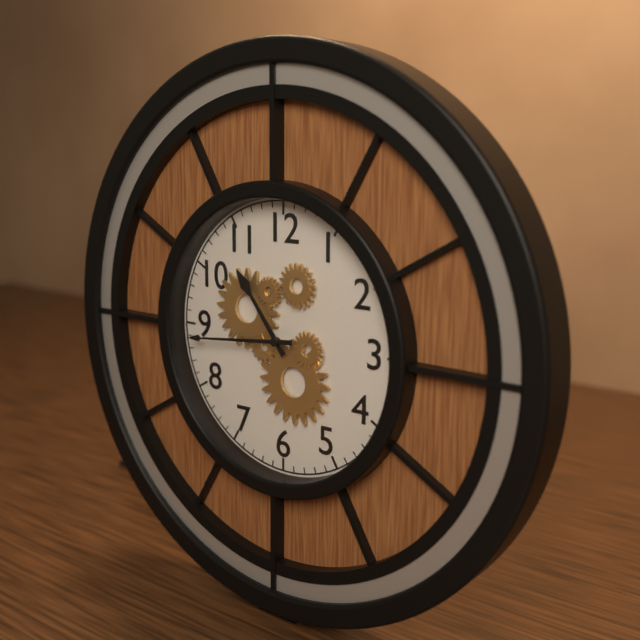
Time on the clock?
10:44
